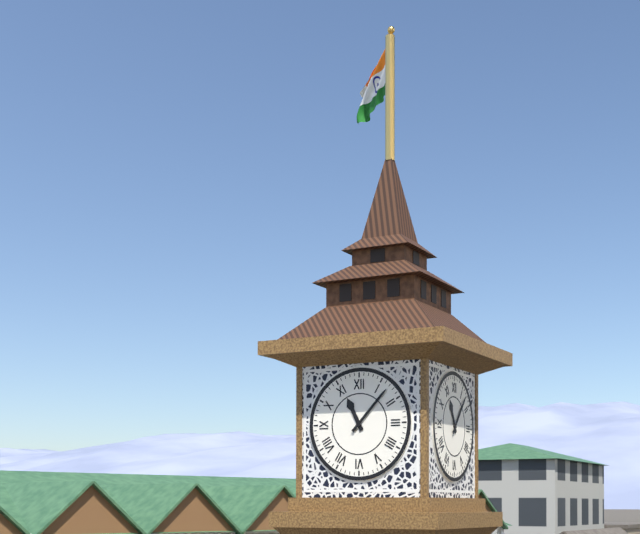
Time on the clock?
11:07
